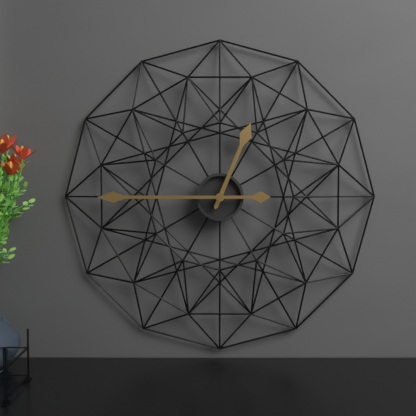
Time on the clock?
12:45
